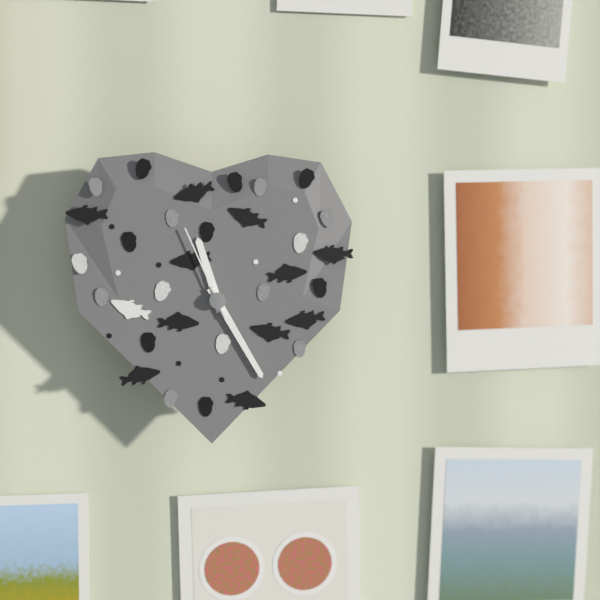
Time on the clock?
11:25:56
